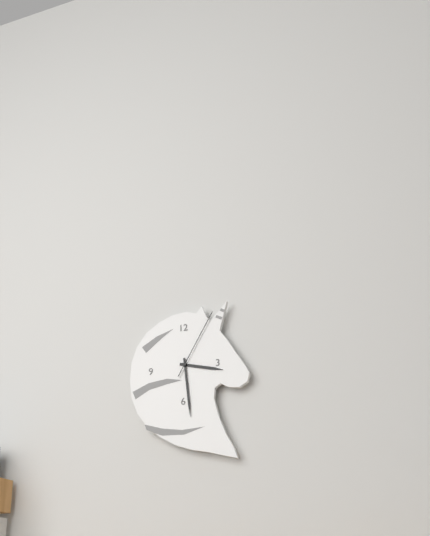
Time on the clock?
3:29:05
